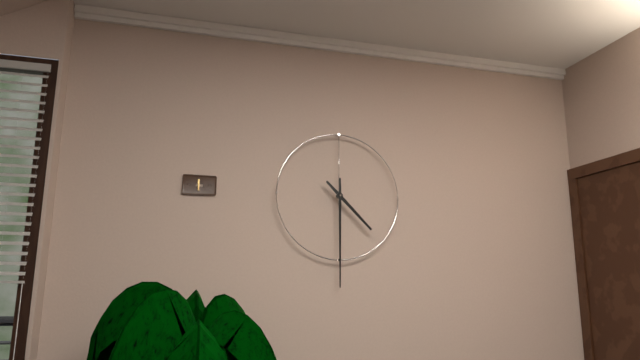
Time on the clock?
4:30
